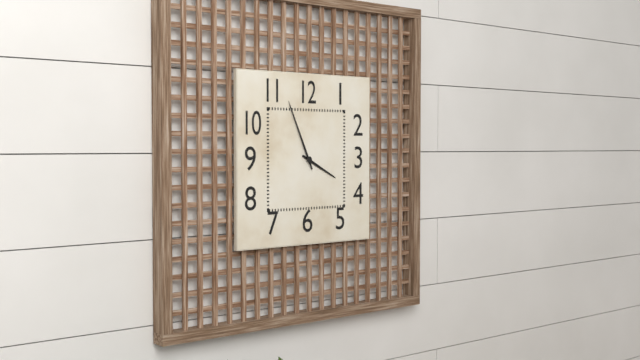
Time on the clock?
3:56
